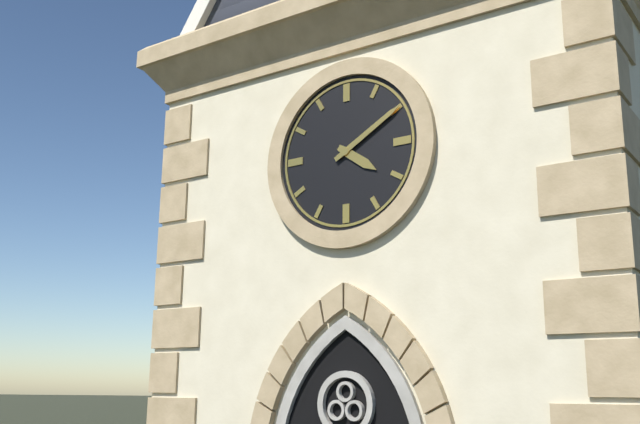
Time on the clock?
4:10
